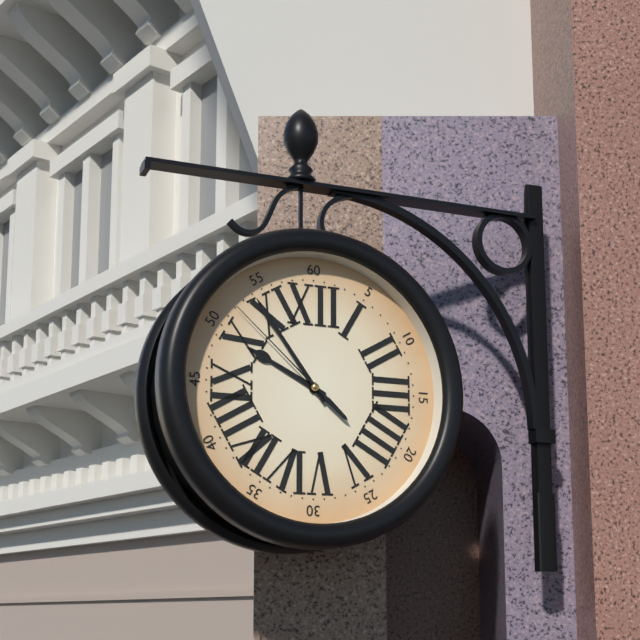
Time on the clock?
9:54:52
